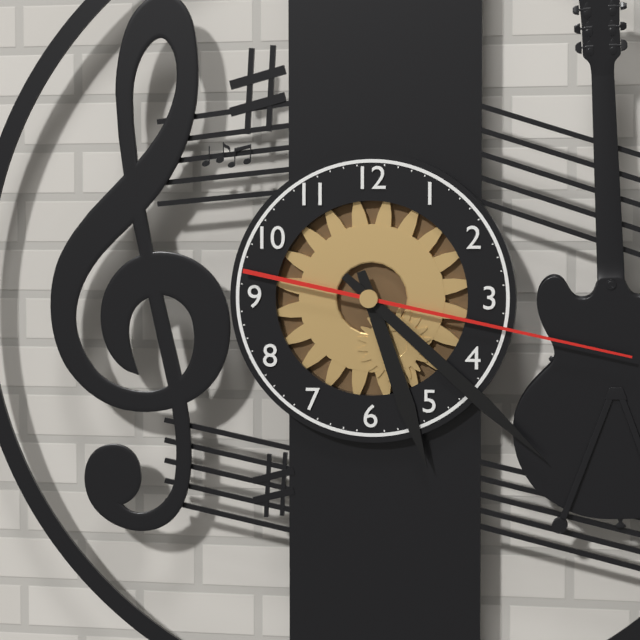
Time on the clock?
5:22:17
